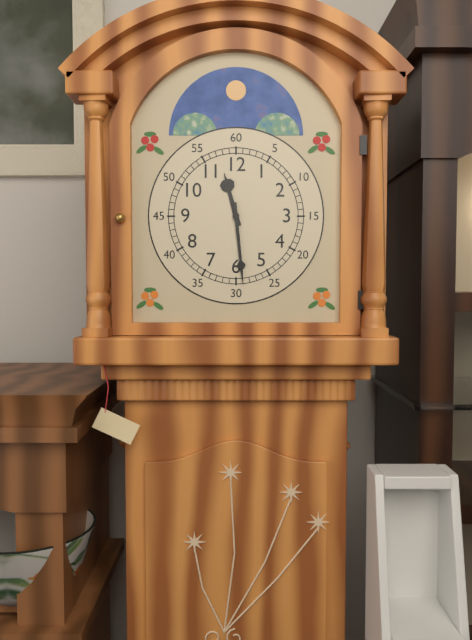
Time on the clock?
11:29
